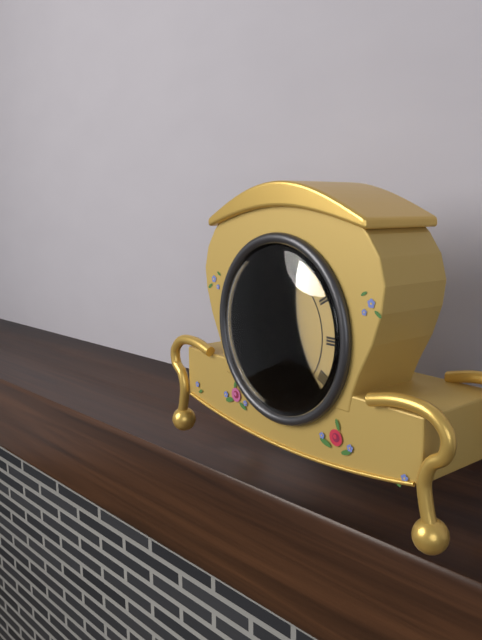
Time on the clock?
11:35
